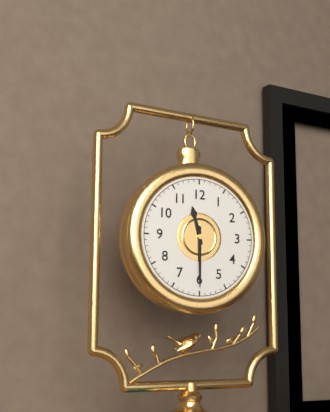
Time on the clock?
11:30
